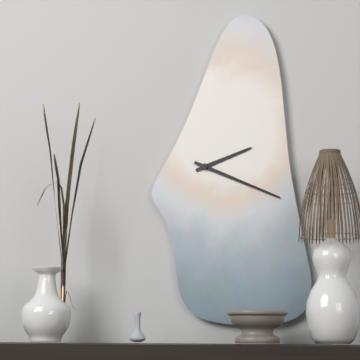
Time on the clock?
2:19
